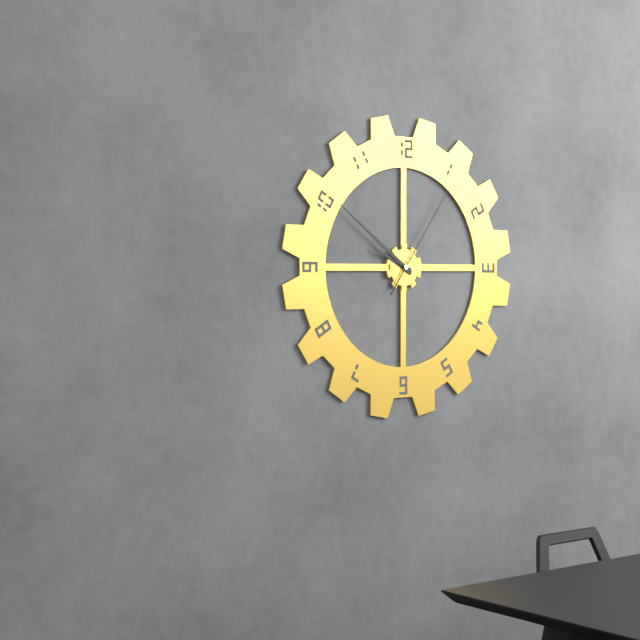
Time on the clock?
9:51:06
